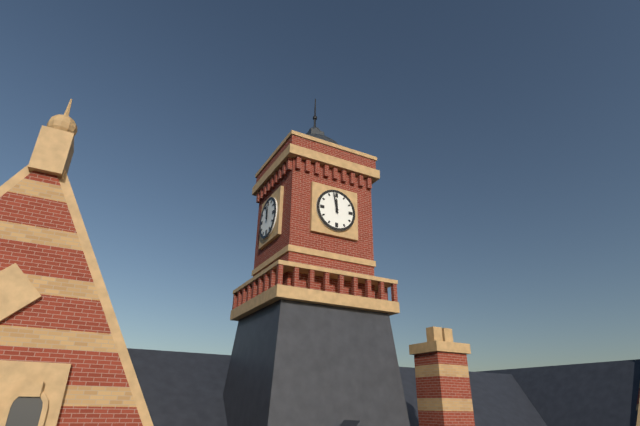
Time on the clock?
11:58
